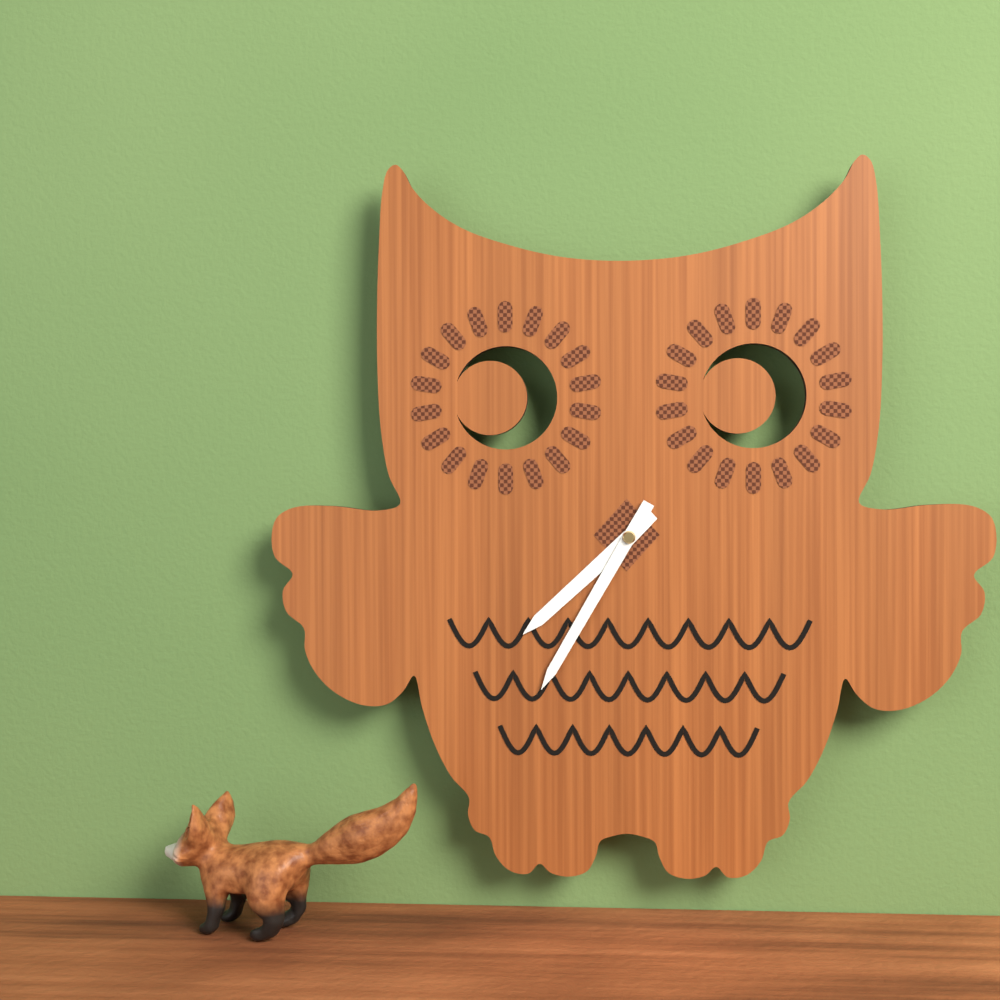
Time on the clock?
7:35
